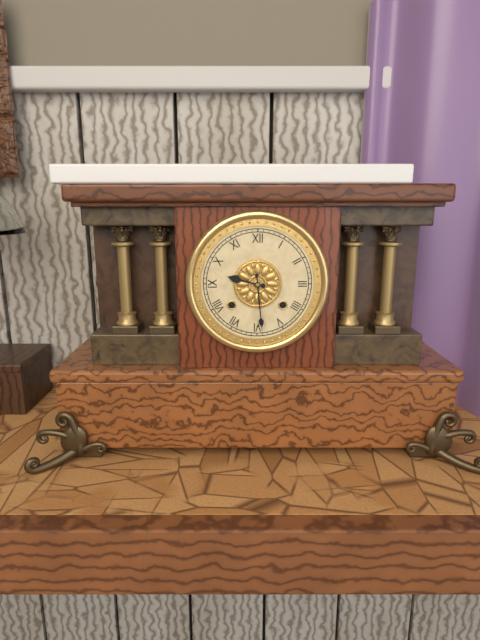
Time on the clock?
9:29
